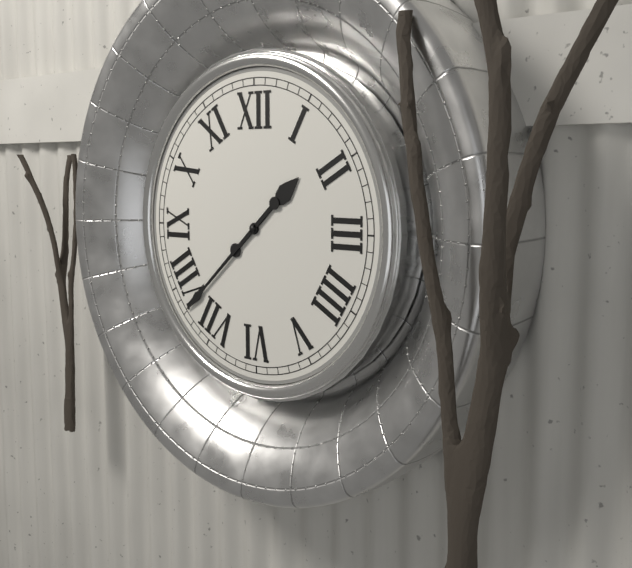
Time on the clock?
1:38
